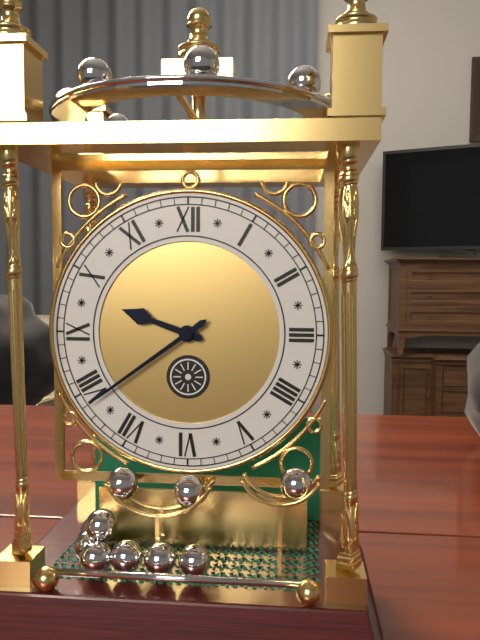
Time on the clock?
9:39
